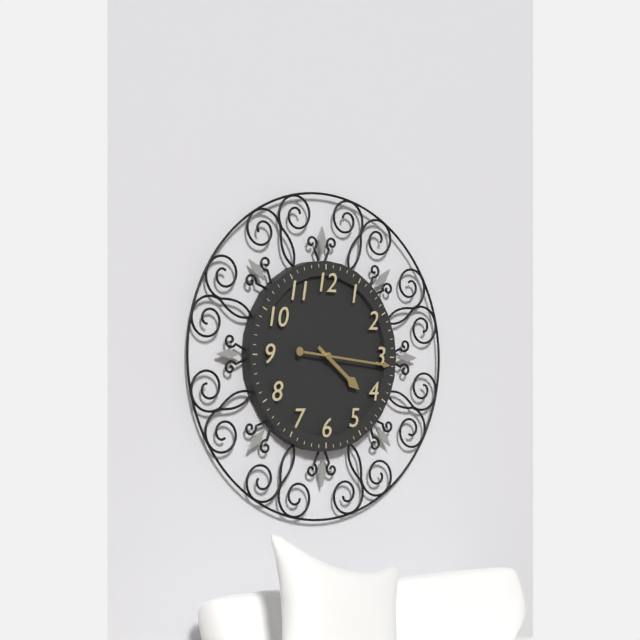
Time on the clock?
4:16
